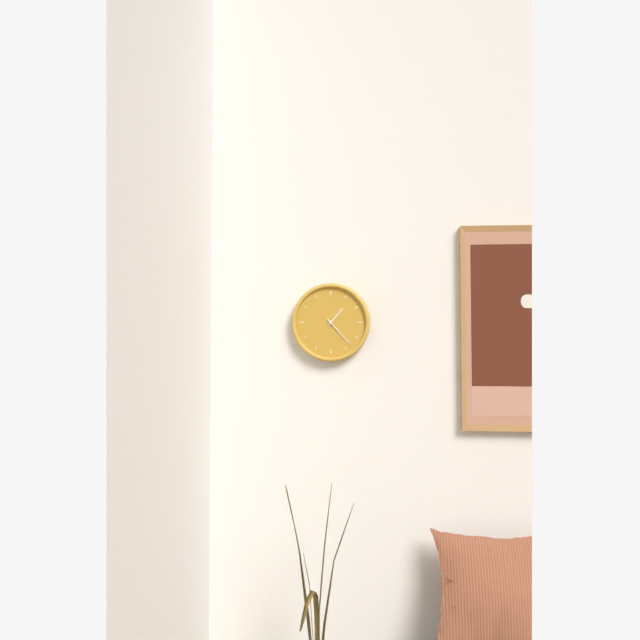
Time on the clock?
1:23
